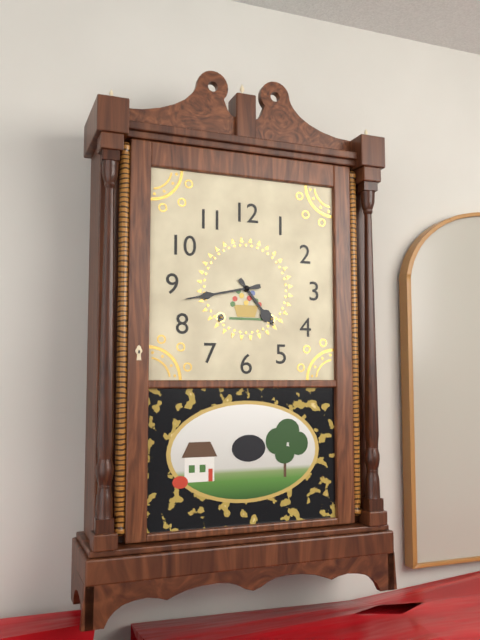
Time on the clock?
4:43
